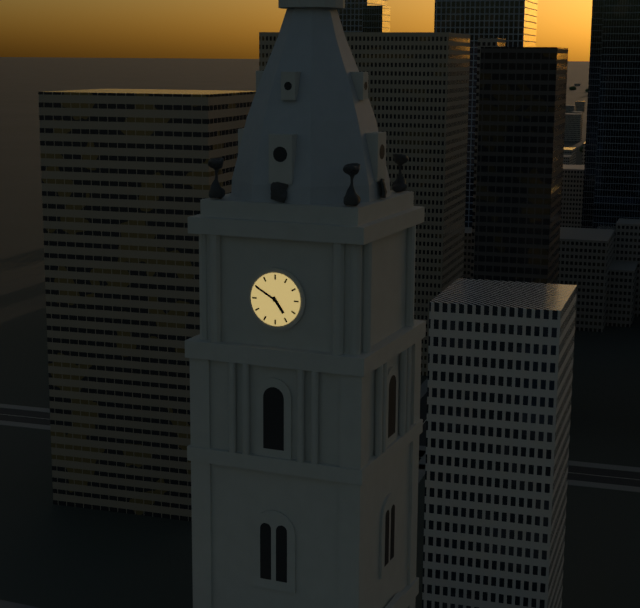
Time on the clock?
4:50
